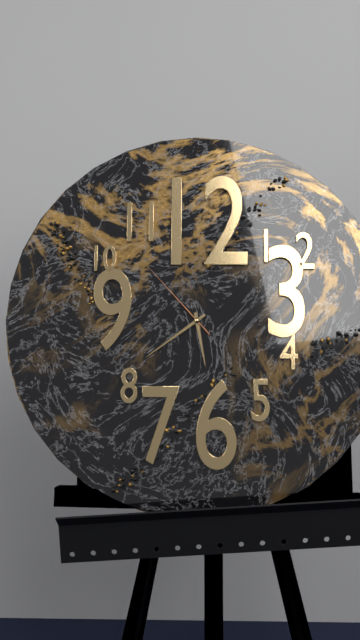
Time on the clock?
5:39:53
